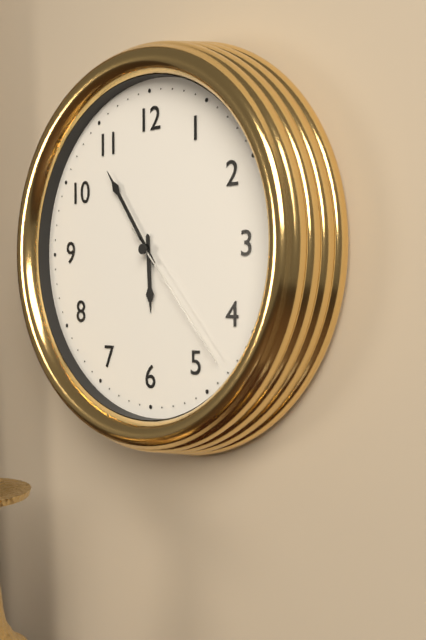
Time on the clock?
5:54:23
